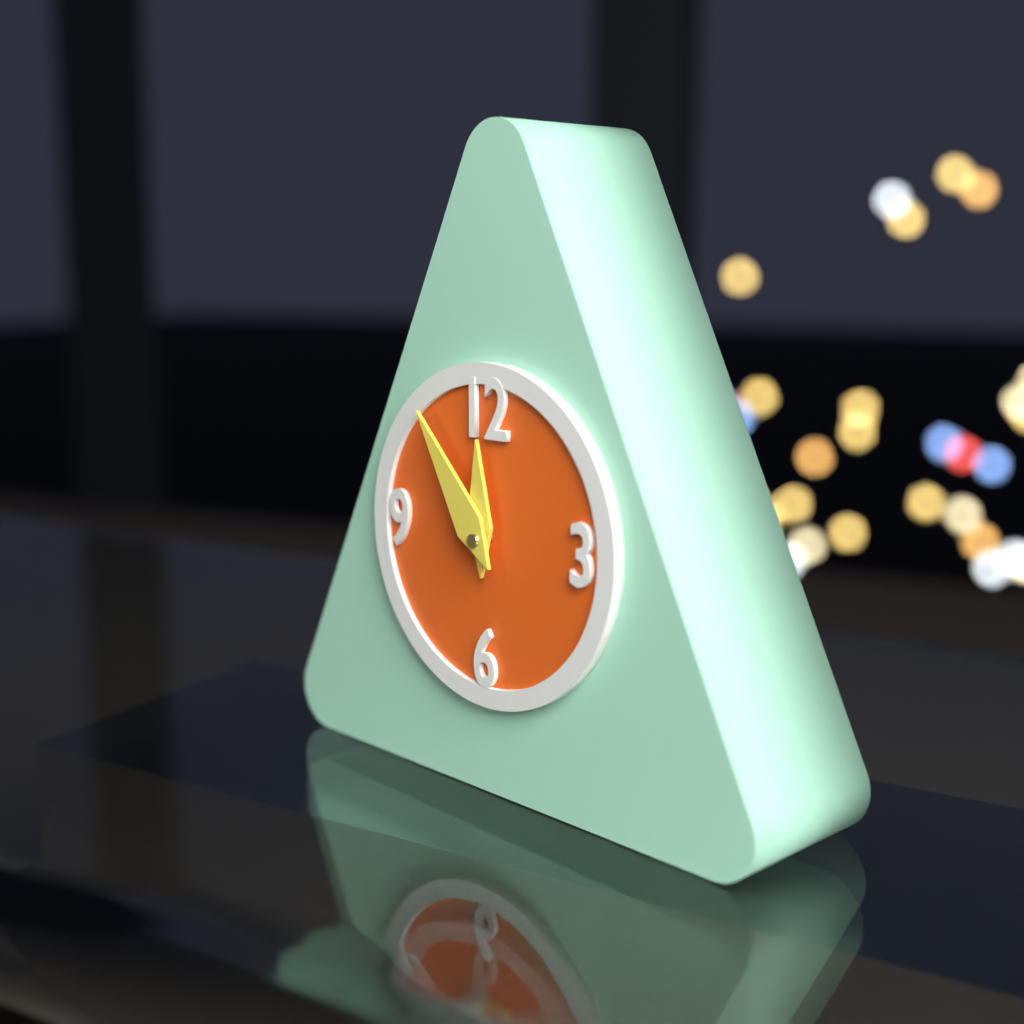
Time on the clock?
11:54
